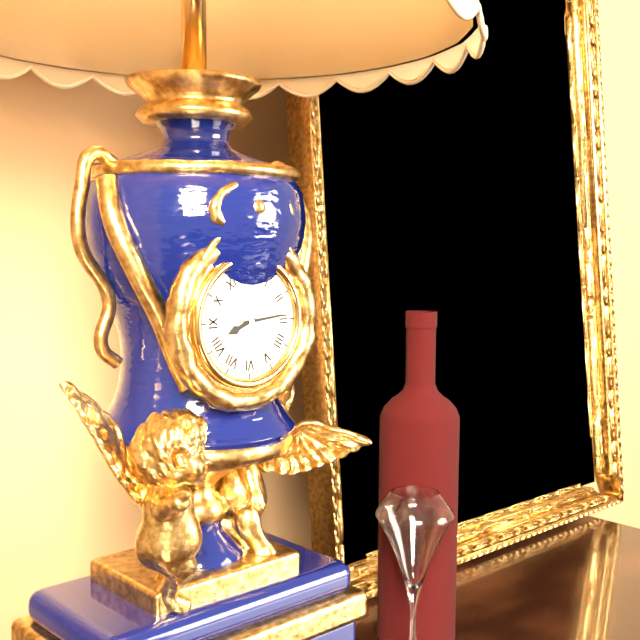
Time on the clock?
8:14
